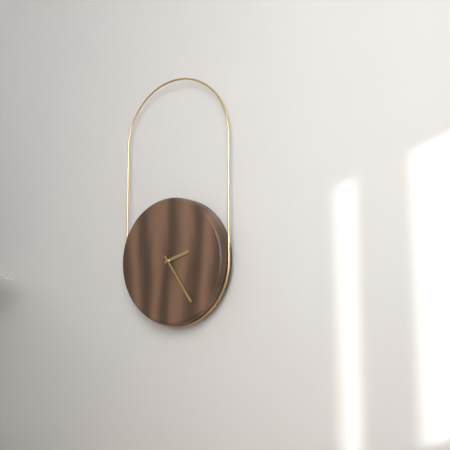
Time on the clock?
2:24
